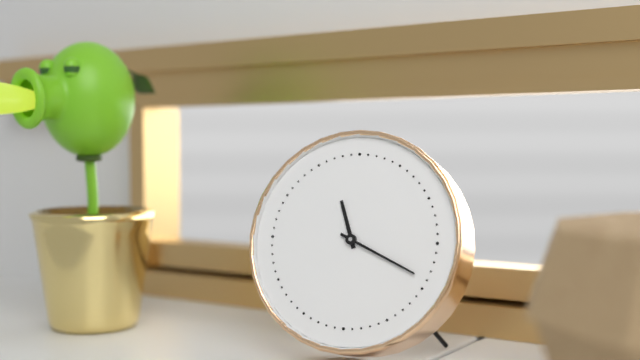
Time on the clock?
11:19
